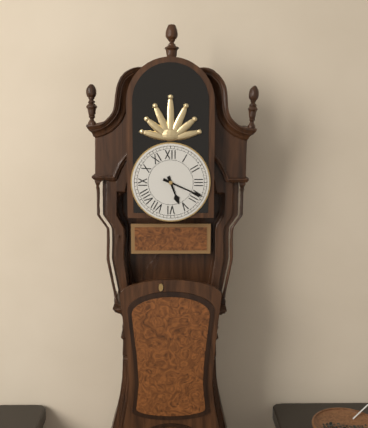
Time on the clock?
5:19
